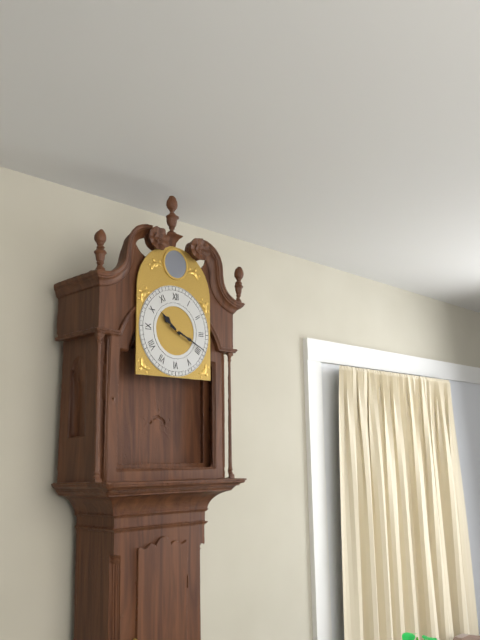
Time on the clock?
10:19
